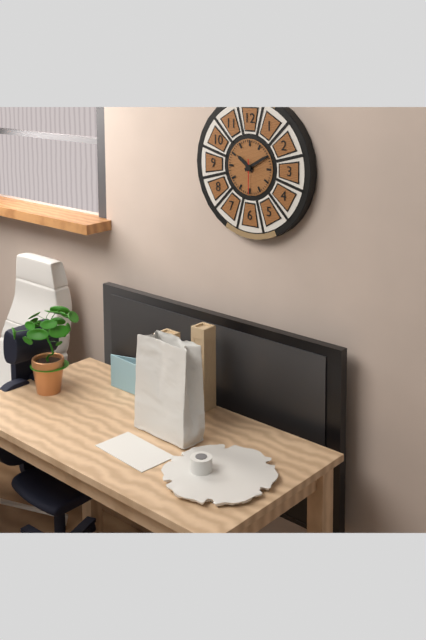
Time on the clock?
10:10
